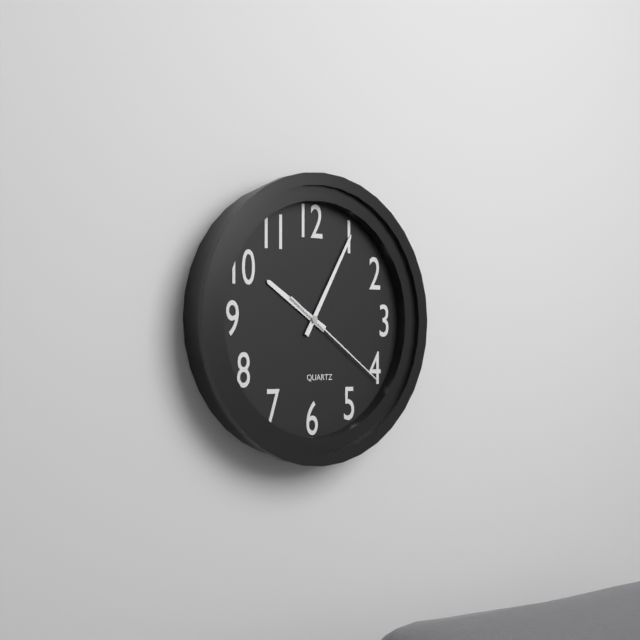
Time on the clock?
10:05:21
